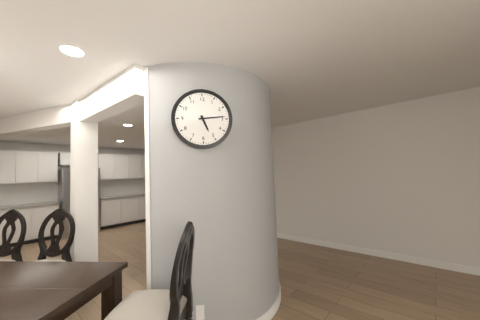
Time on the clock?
5:14
